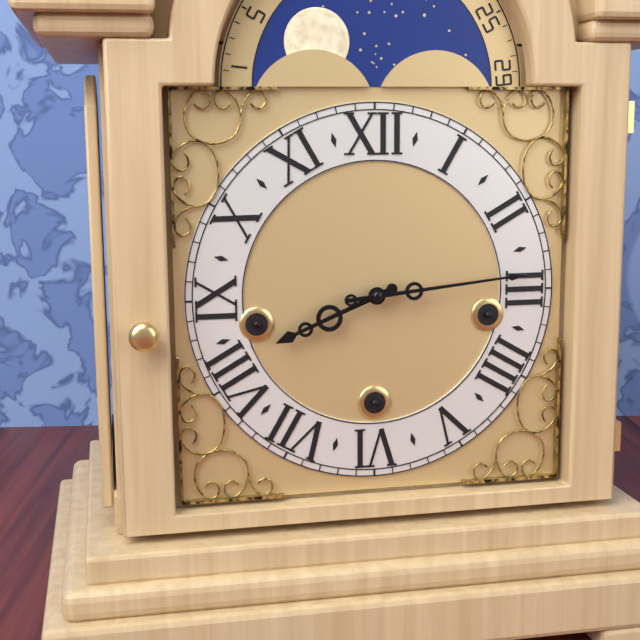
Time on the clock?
8:14
